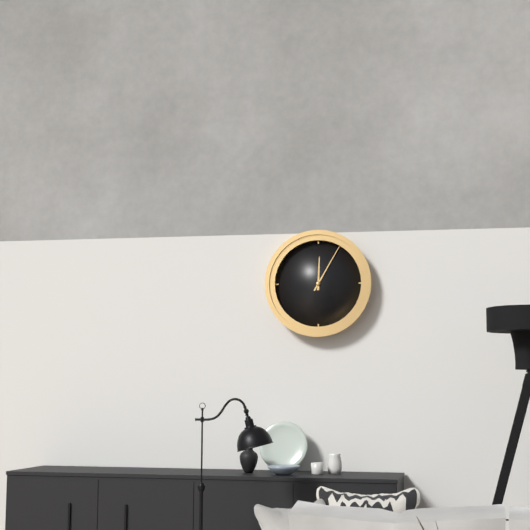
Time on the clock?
12:05
